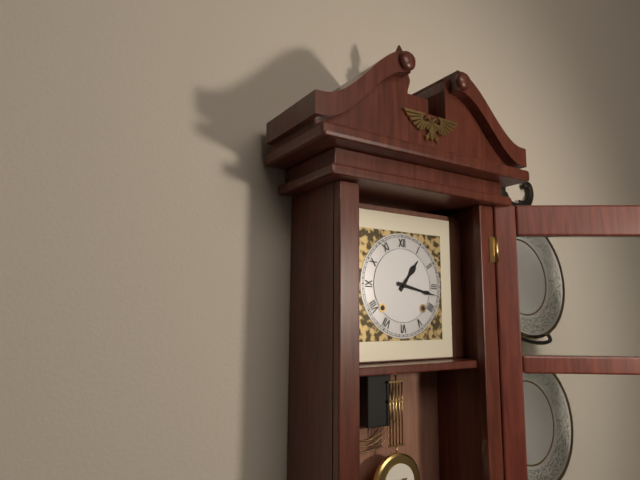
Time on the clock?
1:17
